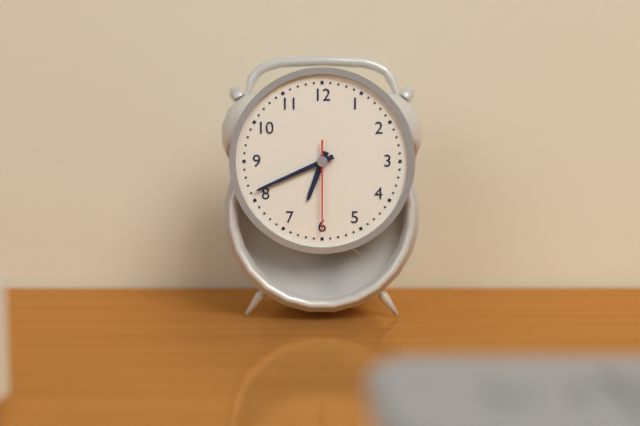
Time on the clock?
6:41:30
